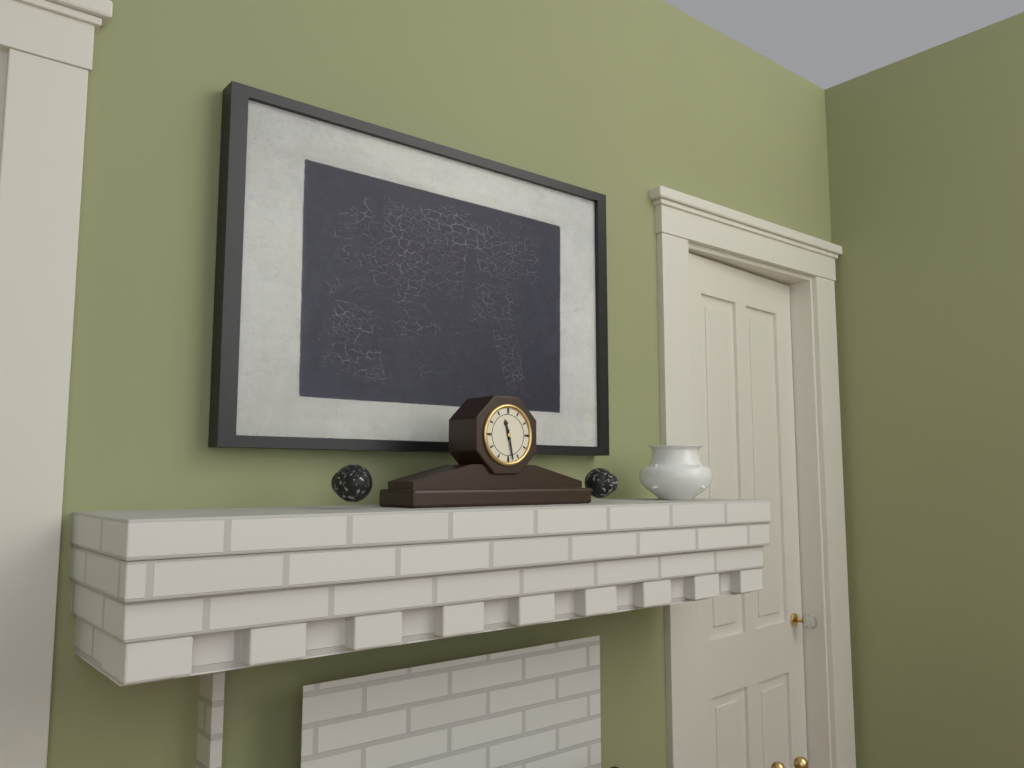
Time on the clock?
11:28
